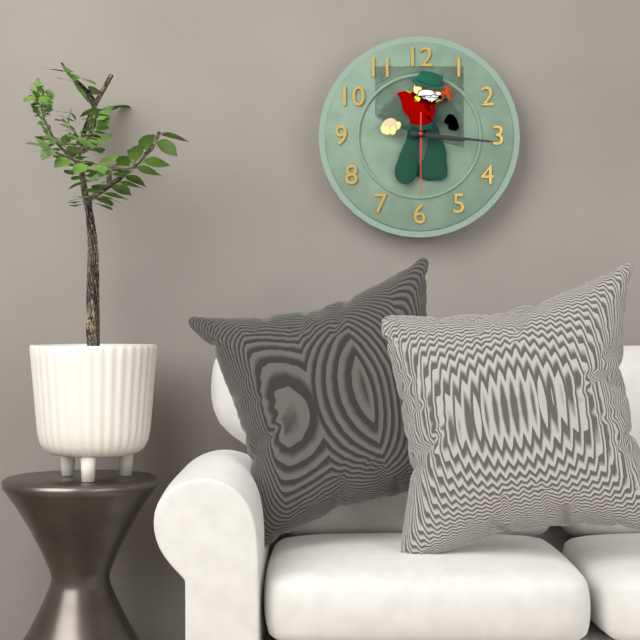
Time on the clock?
3:16:30
